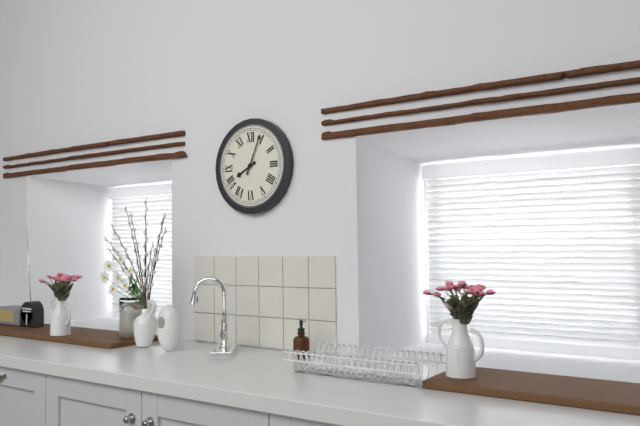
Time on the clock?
8:04
